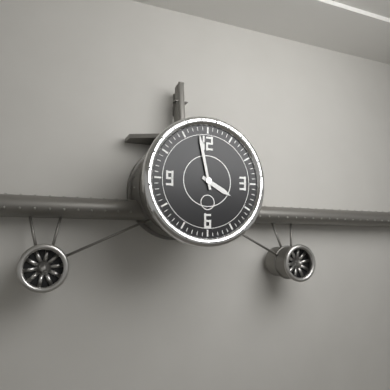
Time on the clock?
3:58
